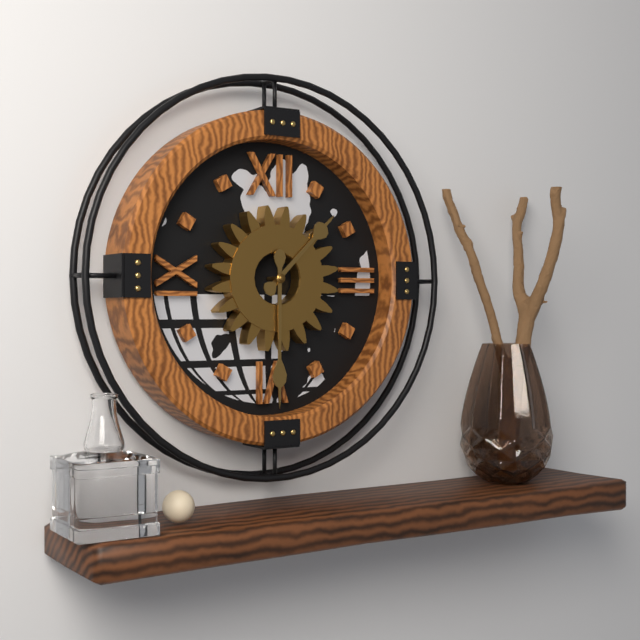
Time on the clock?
1:30
